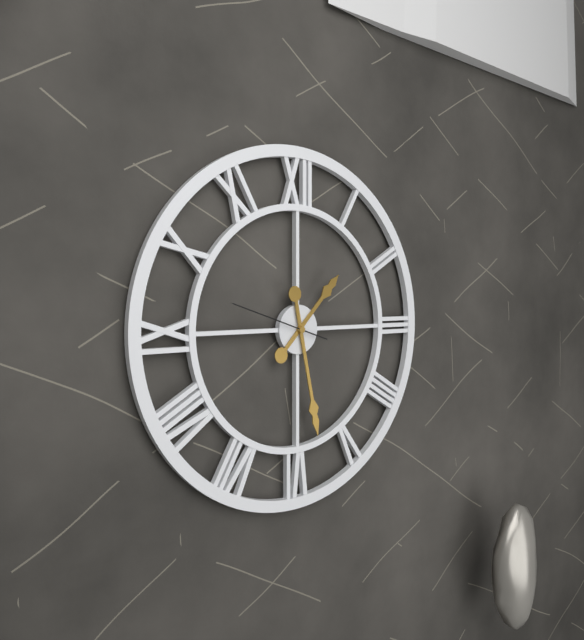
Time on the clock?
1:28:48
